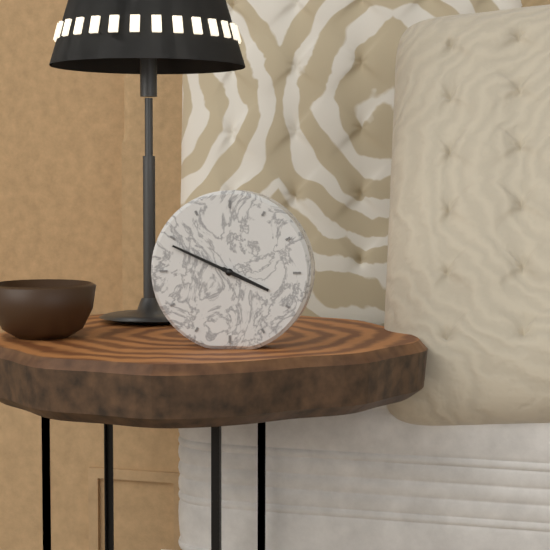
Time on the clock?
3:49
